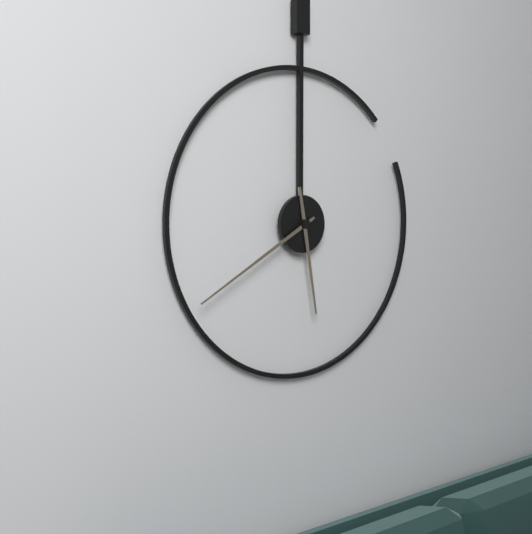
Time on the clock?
5:40
